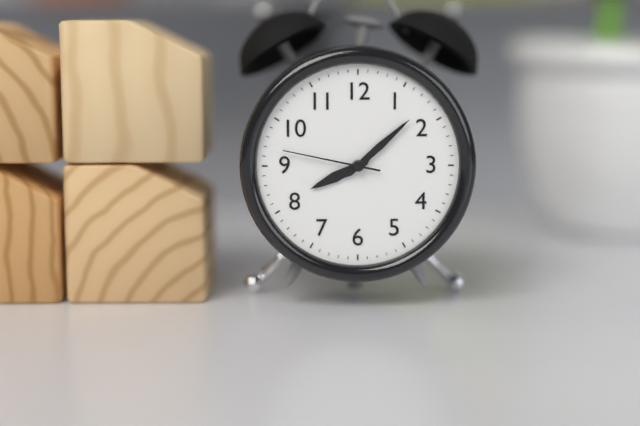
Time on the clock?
8:08:47
